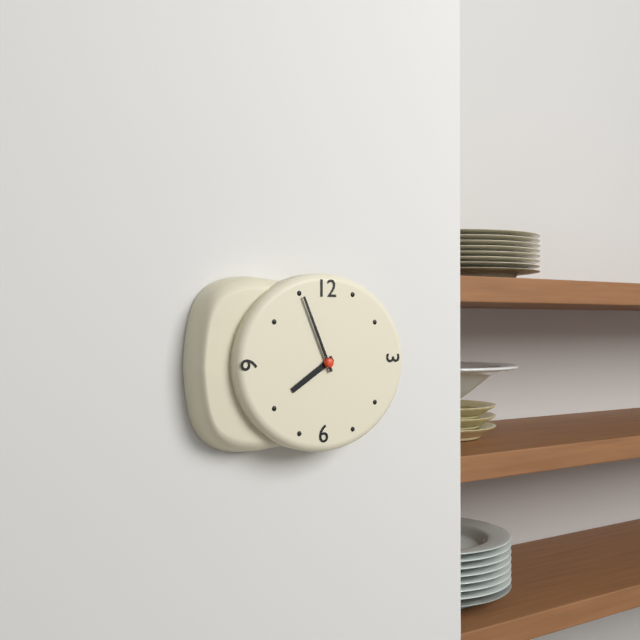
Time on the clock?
7:56
